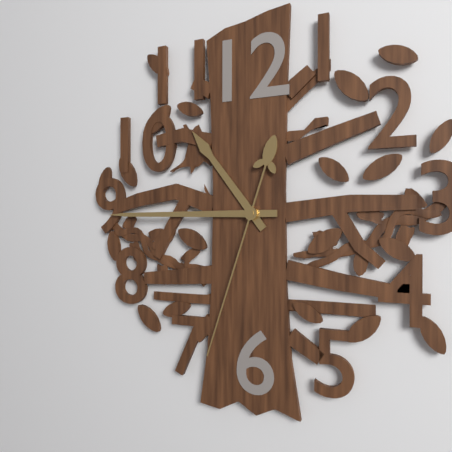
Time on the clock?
10:45:33
